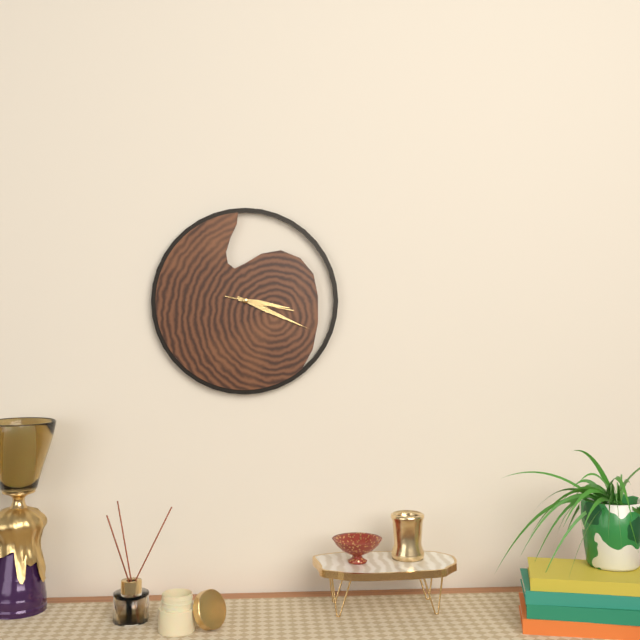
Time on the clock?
3:19:17
